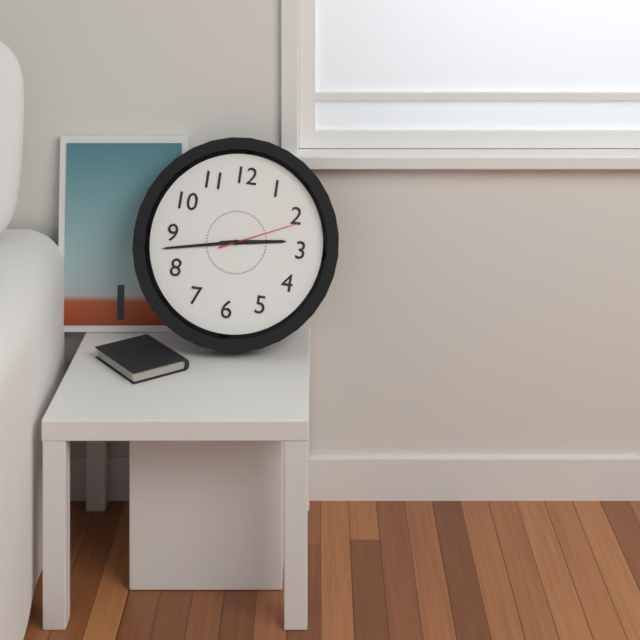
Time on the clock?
2:43:11
